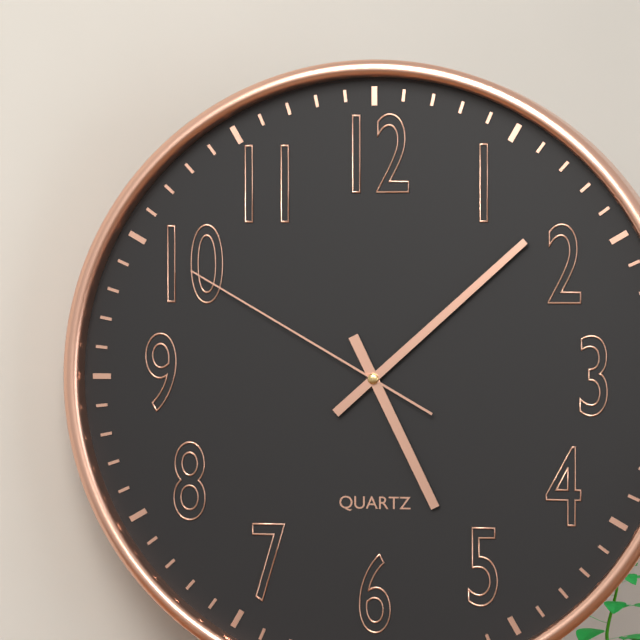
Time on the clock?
5:08:50
